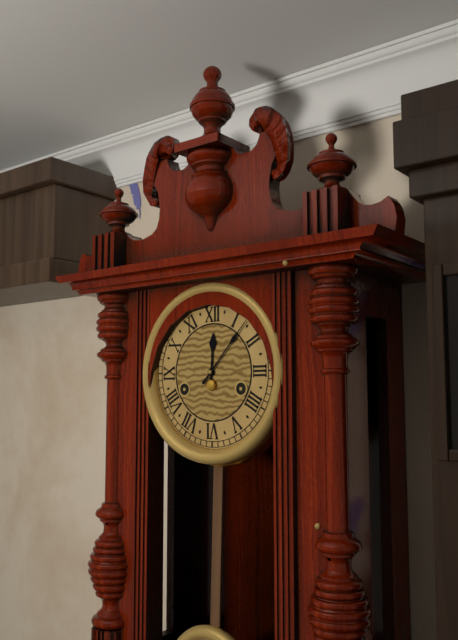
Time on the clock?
12:07
